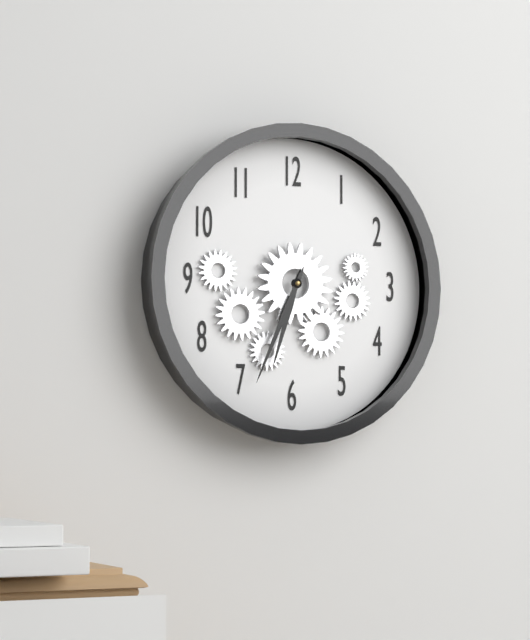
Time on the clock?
6:34
